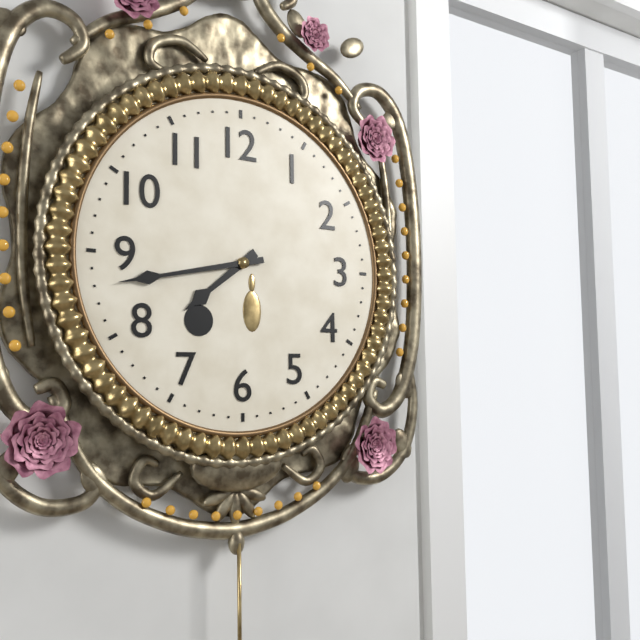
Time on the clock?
7:43
